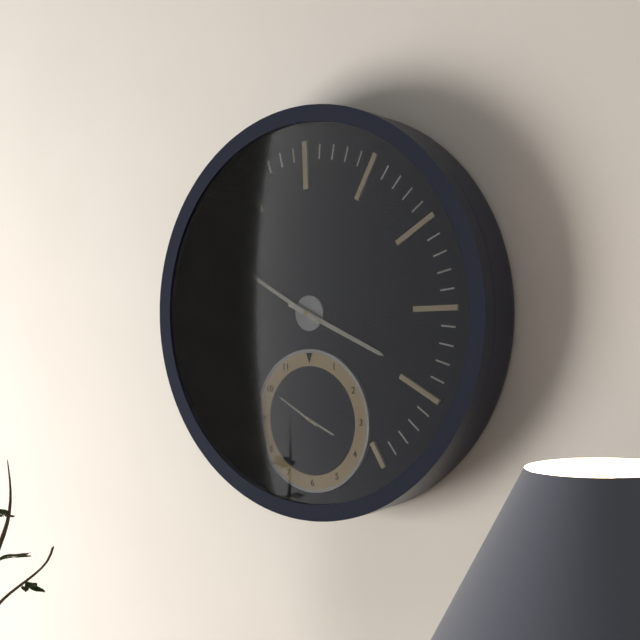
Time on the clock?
3:50
